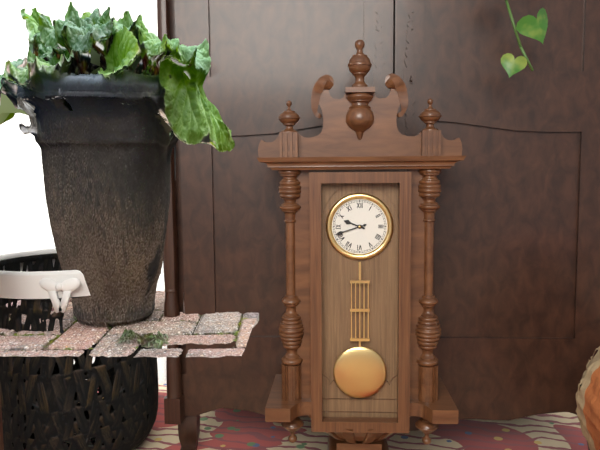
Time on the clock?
9:42
